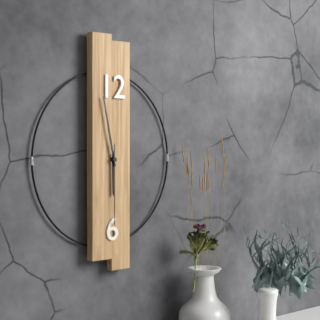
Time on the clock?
5:58:30
